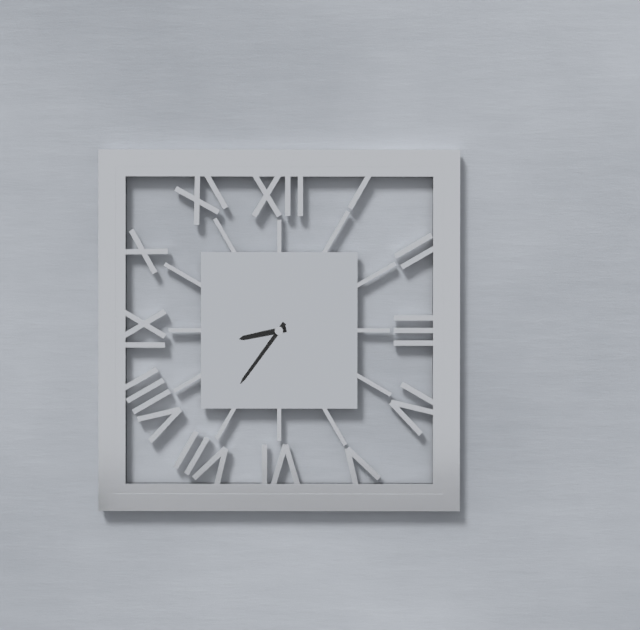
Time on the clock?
8:36
